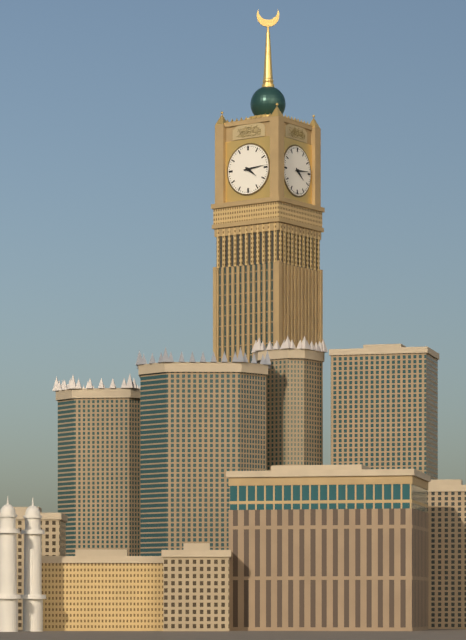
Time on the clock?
4:14
